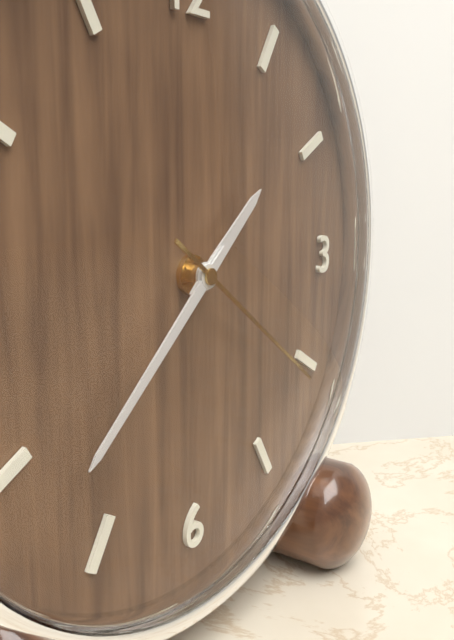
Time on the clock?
1:38:21
